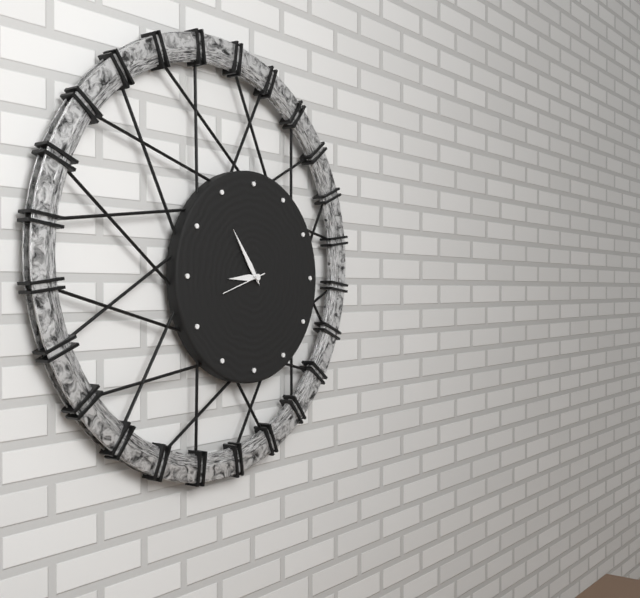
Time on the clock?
8:54
